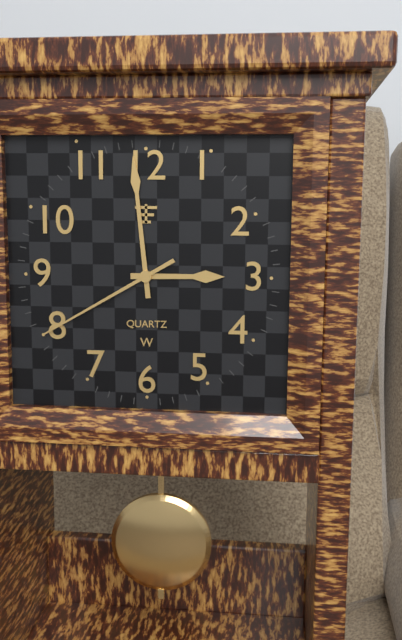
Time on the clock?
2:59:40
